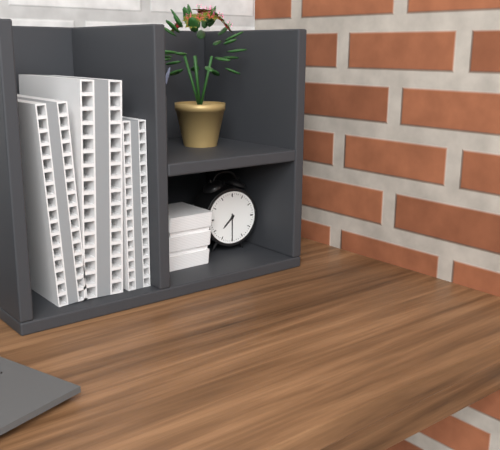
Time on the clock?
7:30
